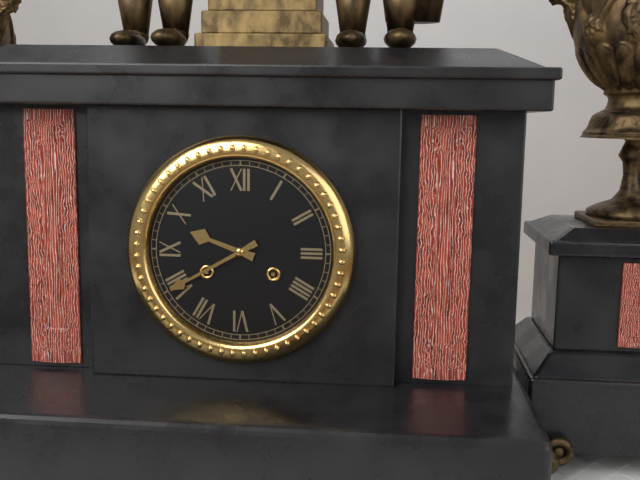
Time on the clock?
9:40
